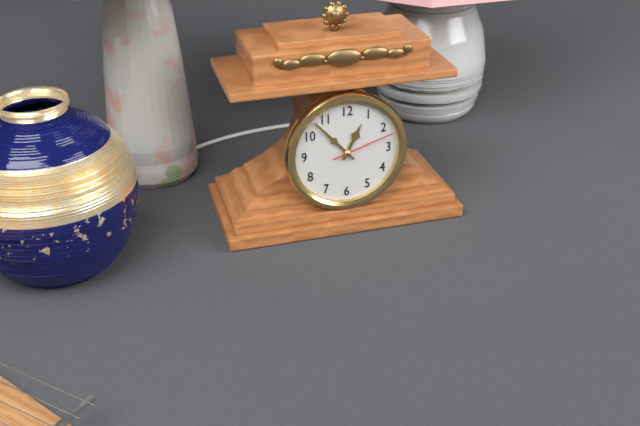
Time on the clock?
12:53:12
